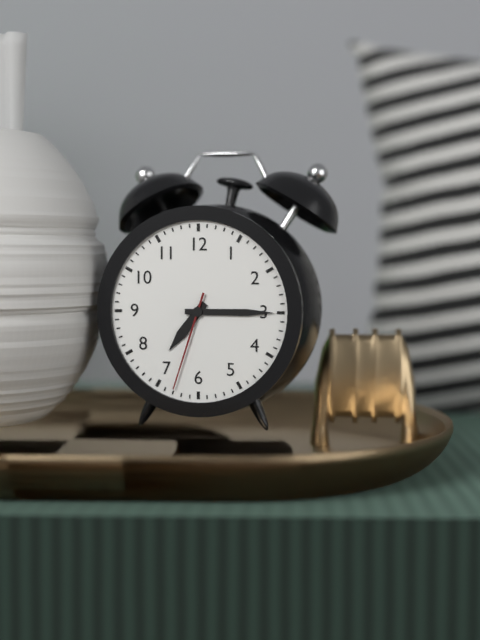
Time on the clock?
7:15:33
